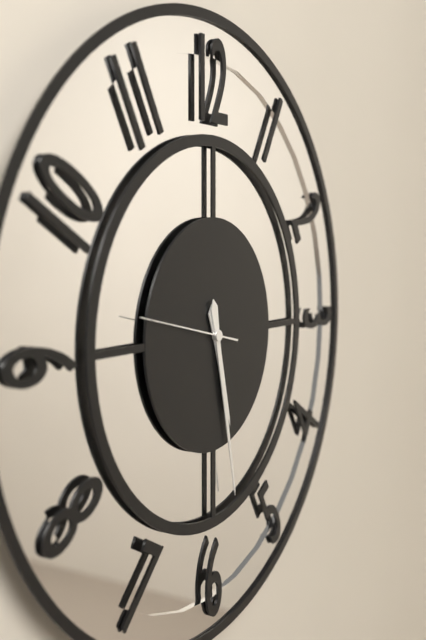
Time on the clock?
5:28:47
